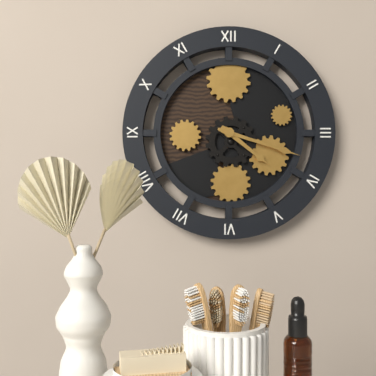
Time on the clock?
4:18
